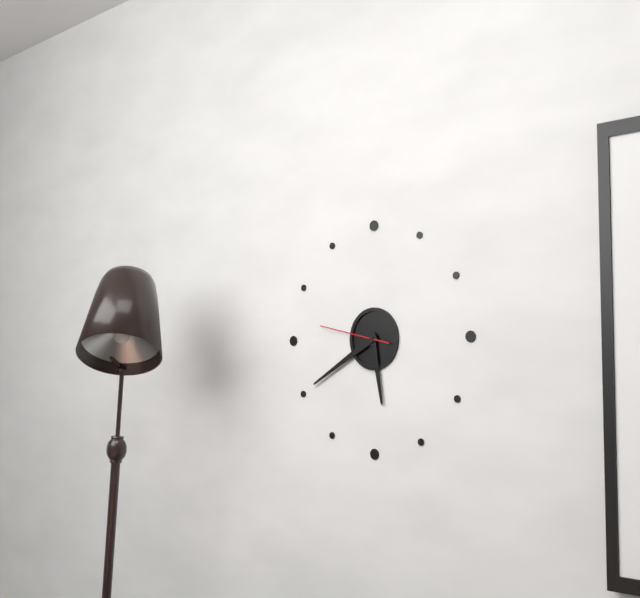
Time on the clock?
5:40:47
